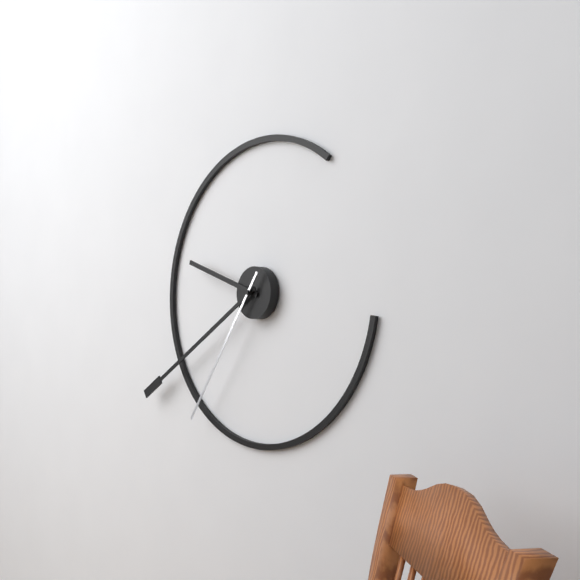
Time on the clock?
9:40:36
